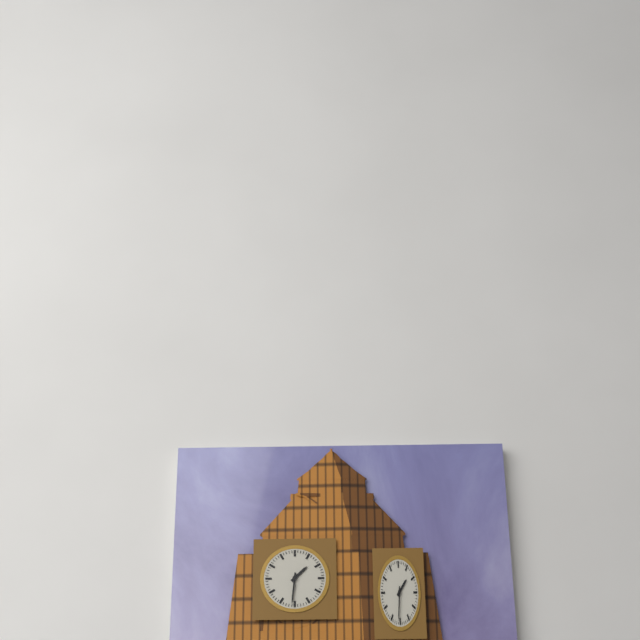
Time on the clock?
1:31
